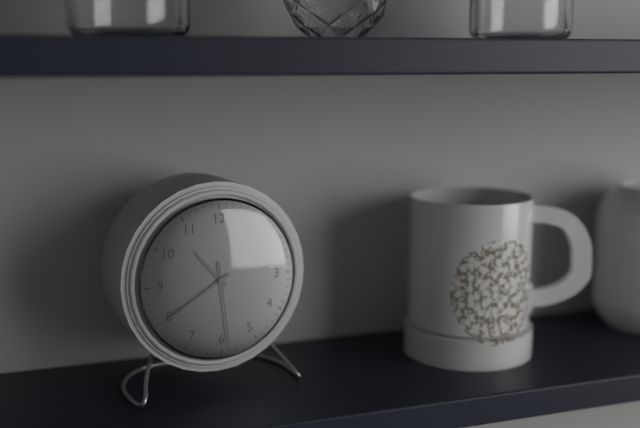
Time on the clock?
10:40:29
